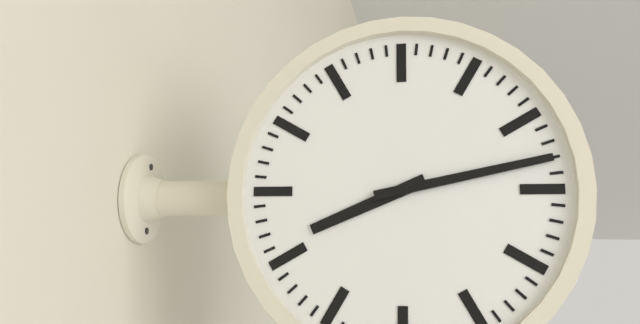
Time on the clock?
8:13
